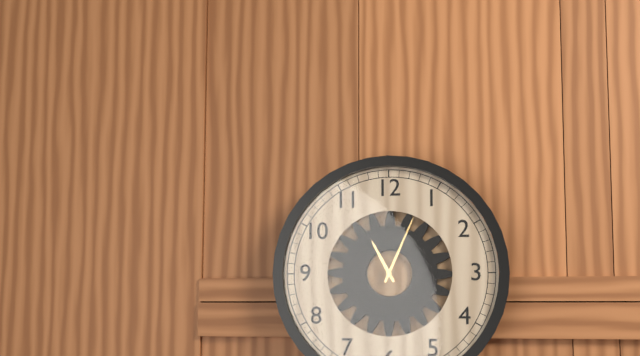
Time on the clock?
11:04
